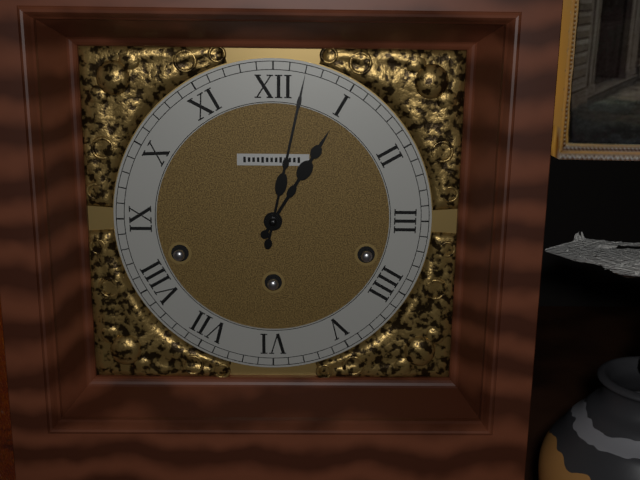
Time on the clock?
1:02
